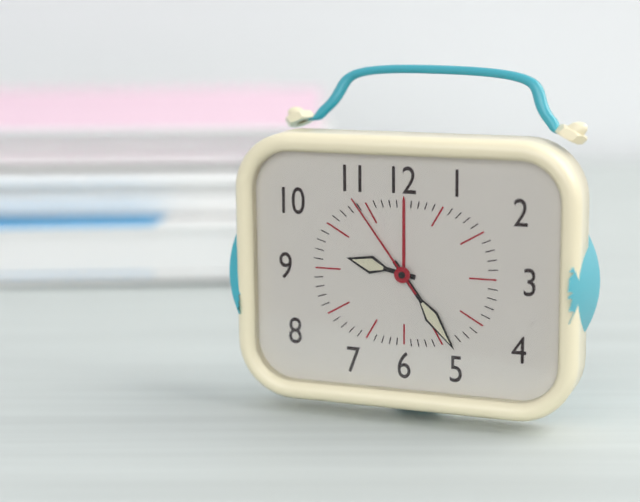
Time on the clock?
9:24:54
